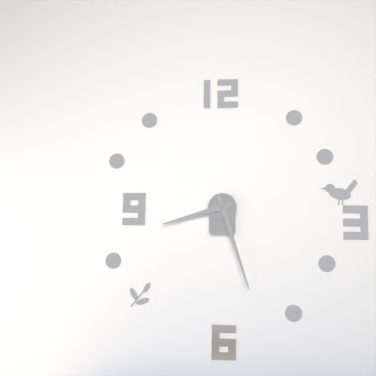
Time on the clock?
8:27
